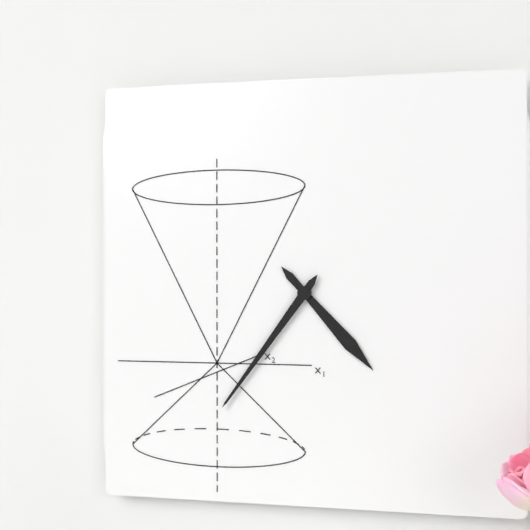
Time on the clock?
4:36
